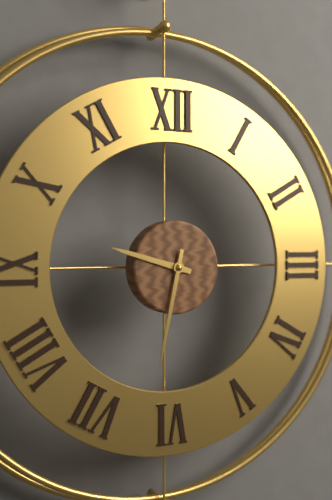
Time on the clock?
9:32
